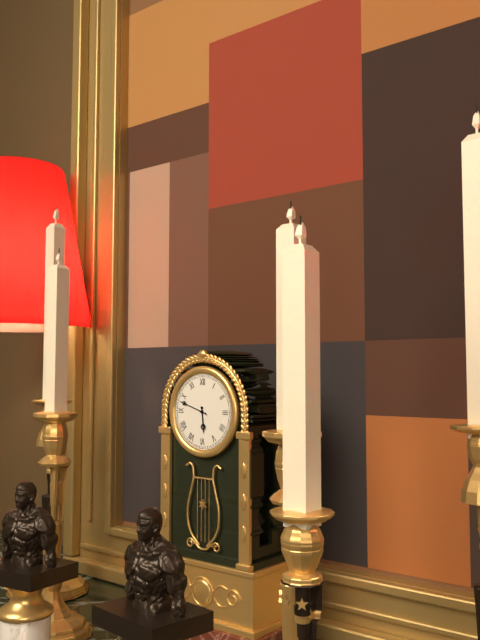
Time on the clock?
5:48
